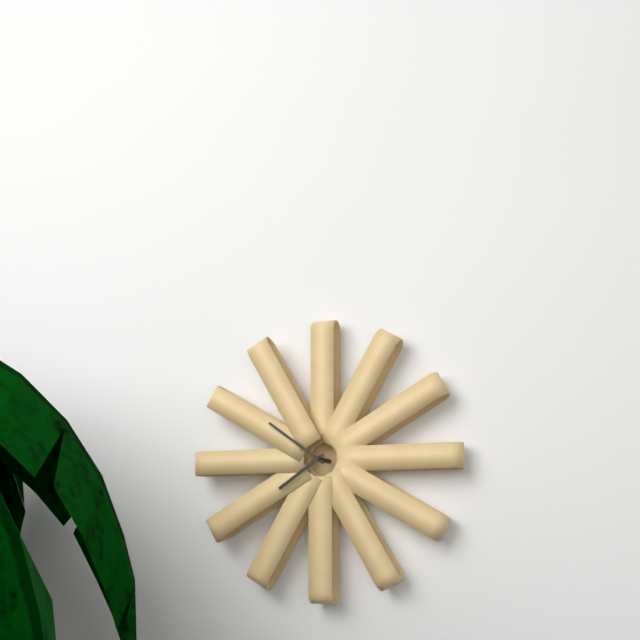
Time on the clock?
7:51
